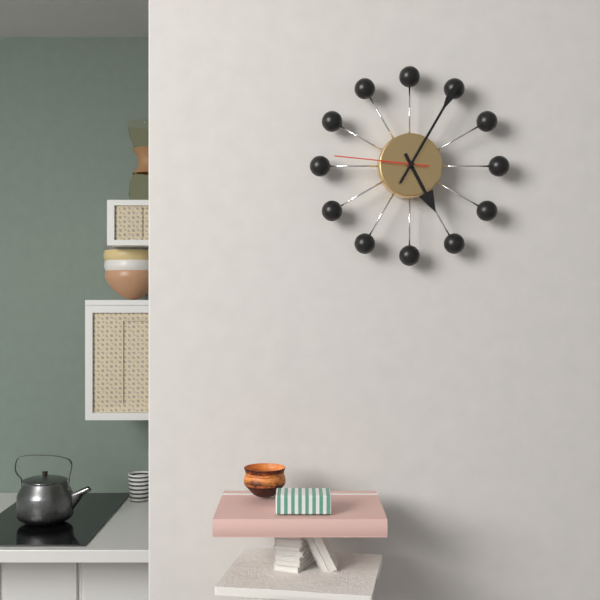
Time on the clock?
5:05:46
